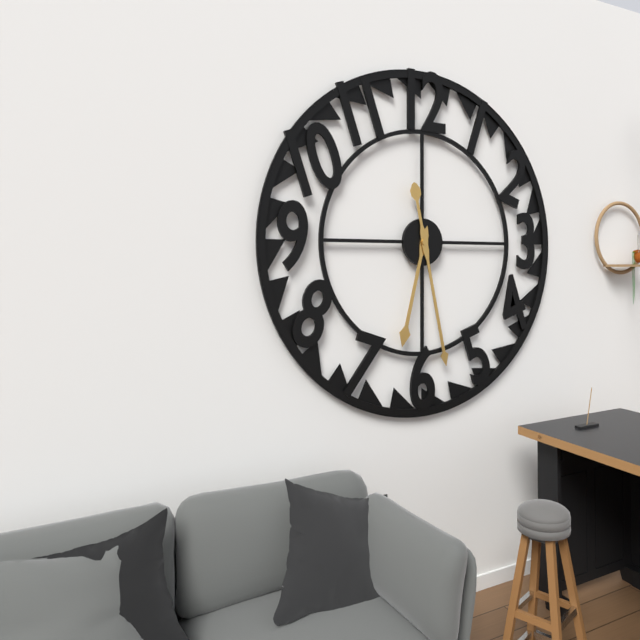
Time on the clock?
6:28
